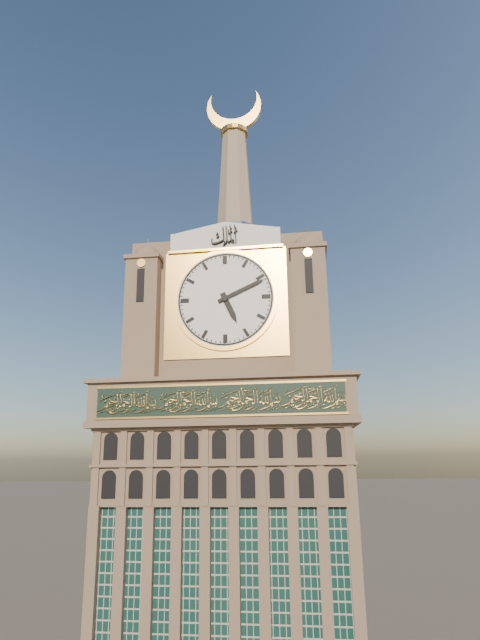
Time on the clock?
5:11
